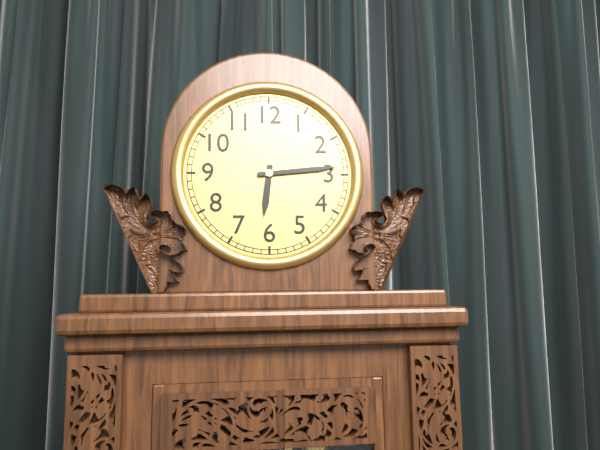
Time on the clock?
6:14
